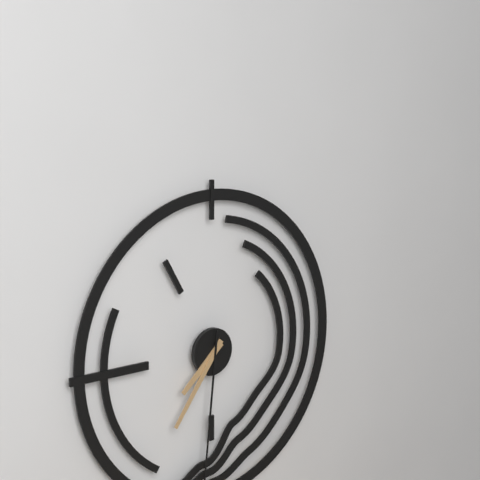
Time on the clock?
7:36
